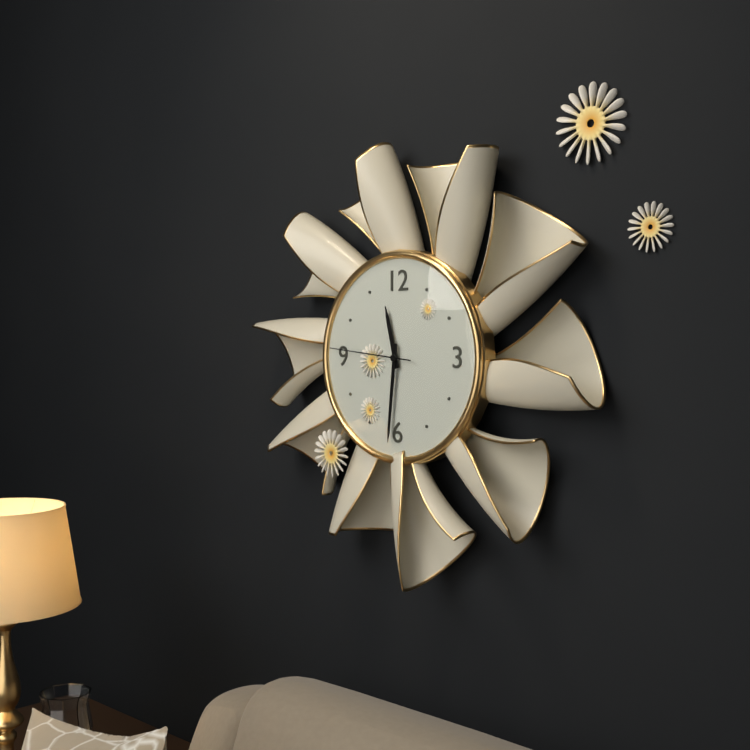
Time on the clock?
11:31:46
